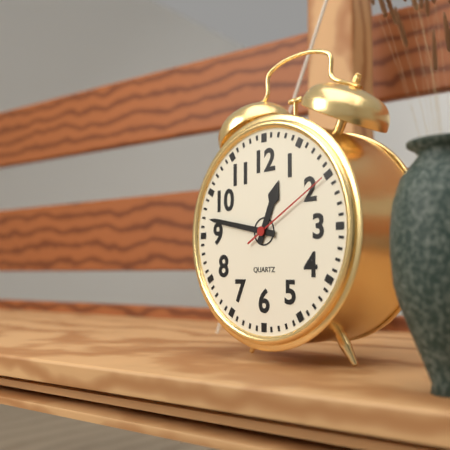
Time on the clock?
12:47:10
